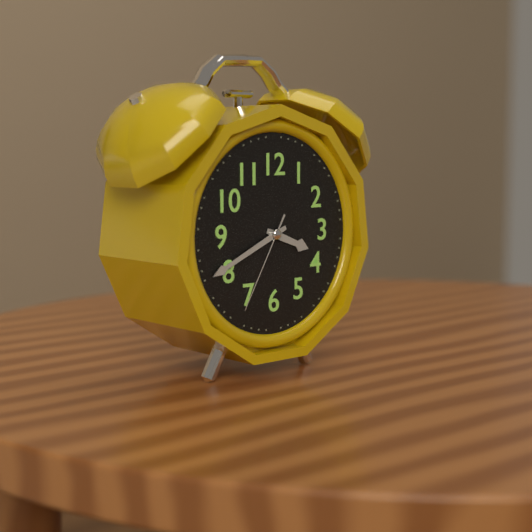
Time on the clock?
3:41:35
